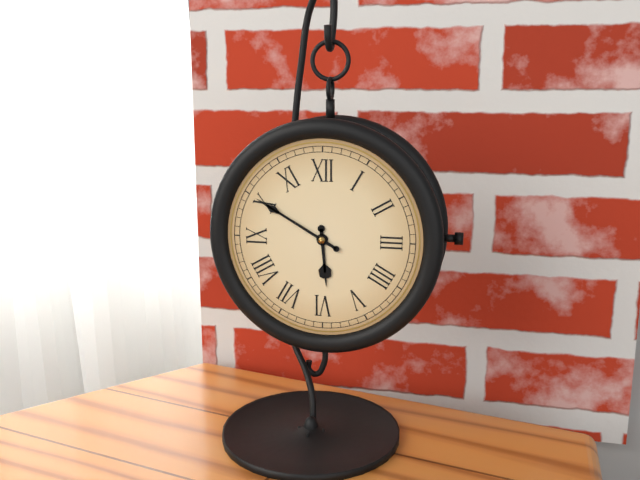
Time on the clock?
5:50
